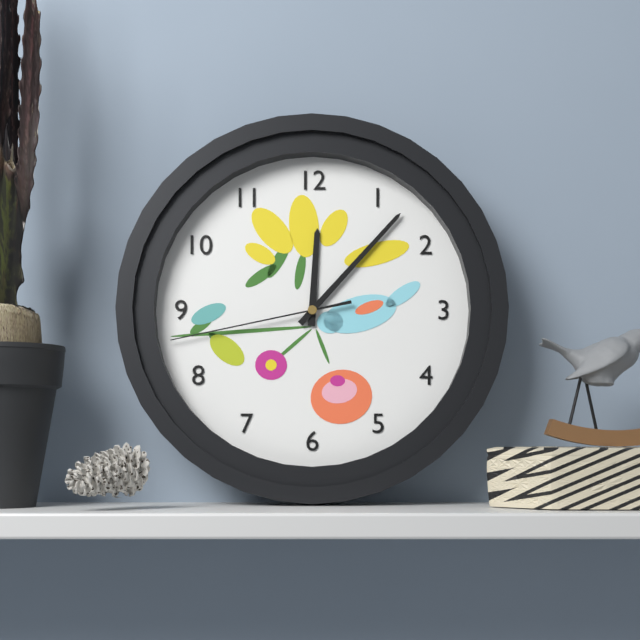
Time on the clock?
12:07:43
